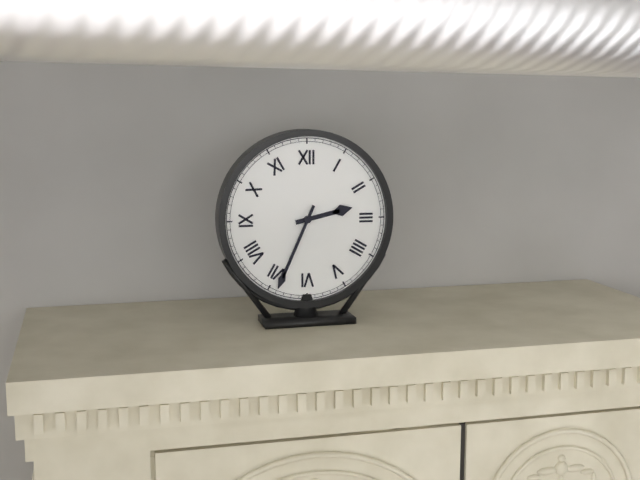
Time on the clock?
2:34
